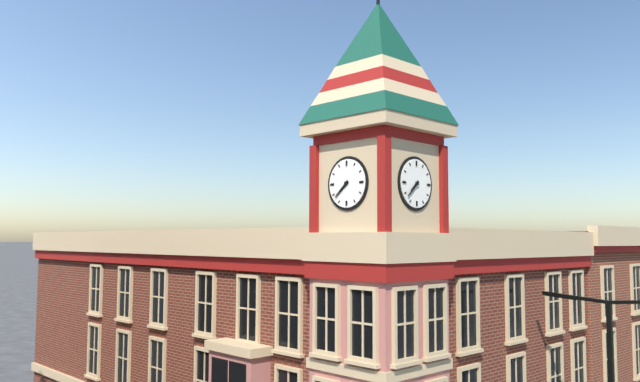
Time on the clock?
7:38
